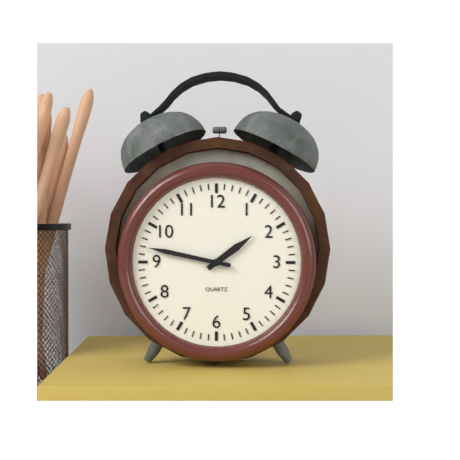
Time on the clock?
1:47
